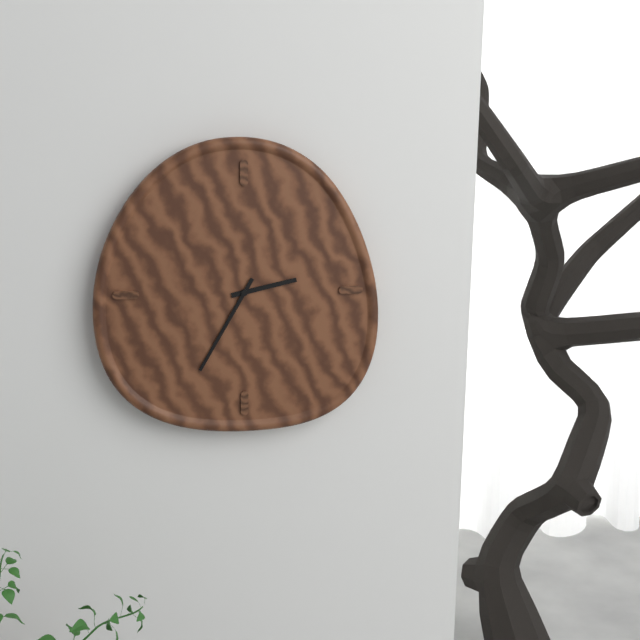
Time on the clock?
2:35
